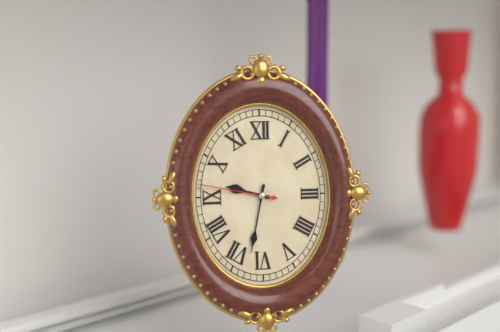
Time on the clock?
9:32:47
